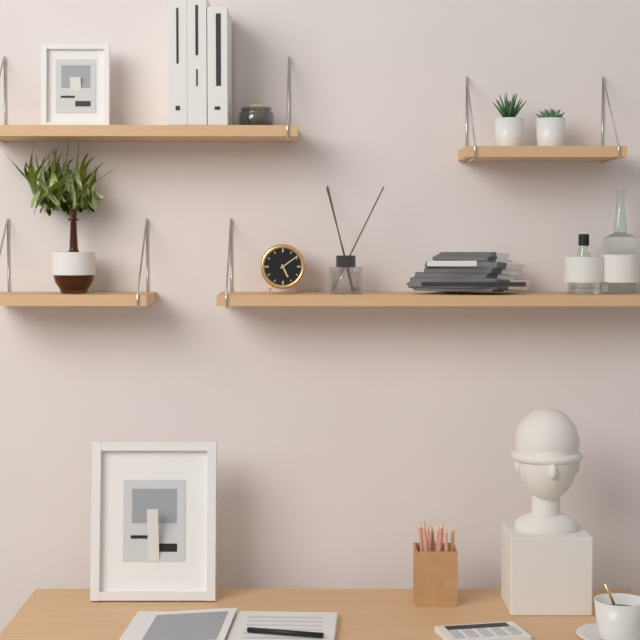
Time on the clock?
5:09
